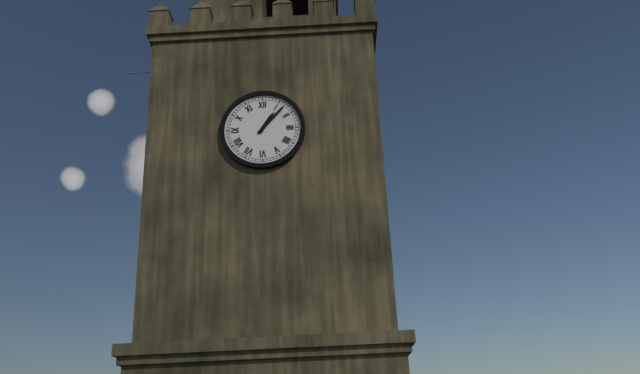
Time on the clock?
1:07
